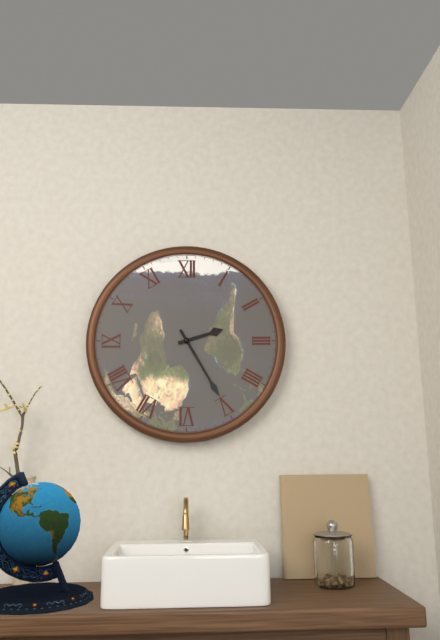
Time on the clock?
2:25
